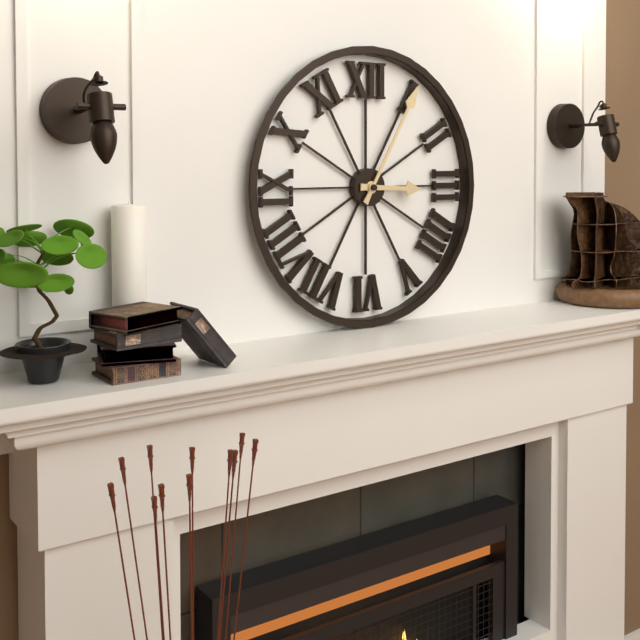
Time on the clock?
3:05
